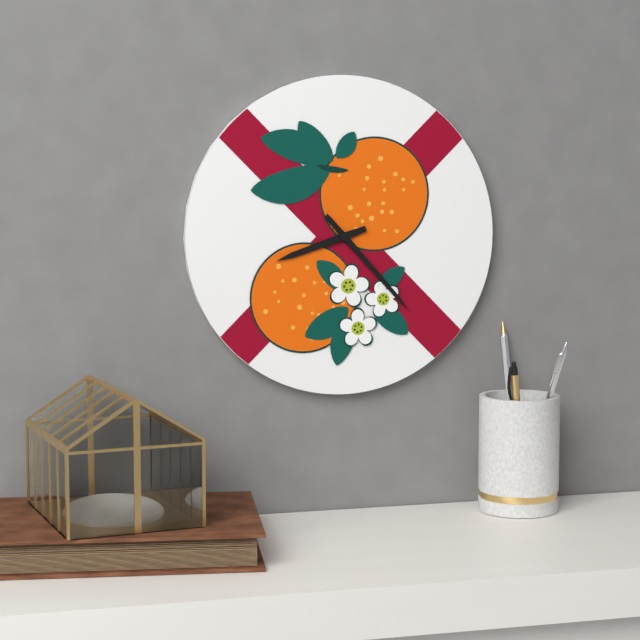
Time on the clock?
8:23
